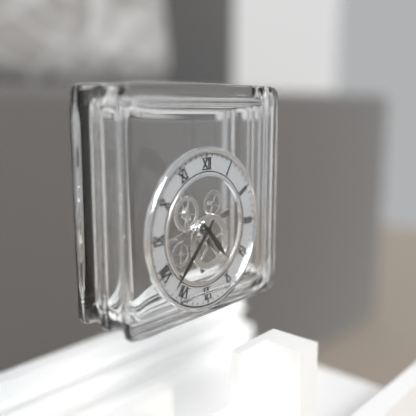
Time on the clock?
4:37
